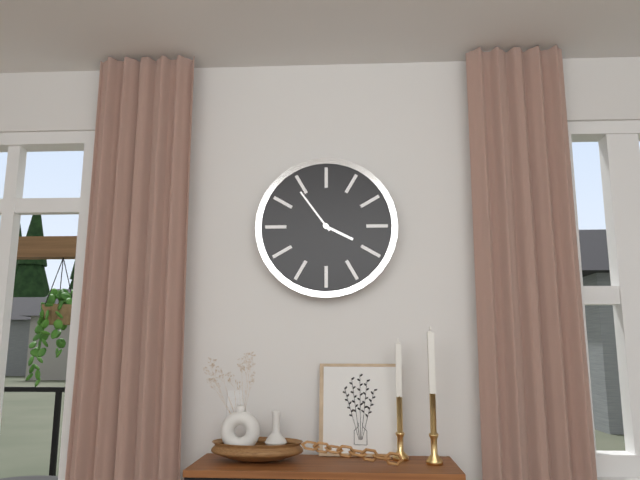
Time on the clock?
3:54
